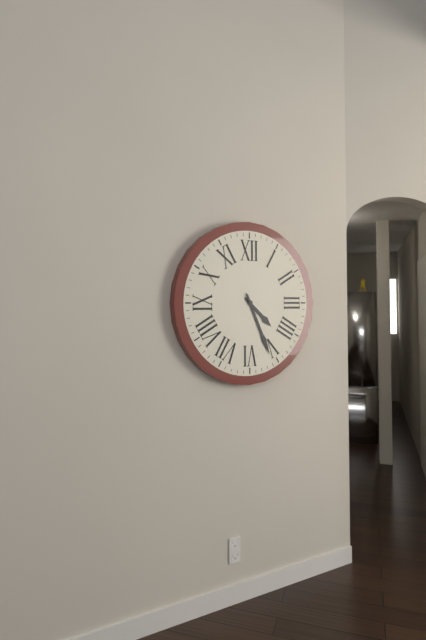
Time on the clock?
4:26
